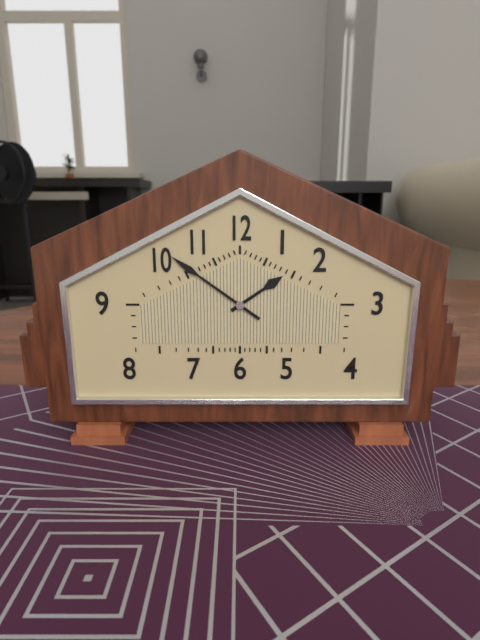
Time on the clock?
1:51
